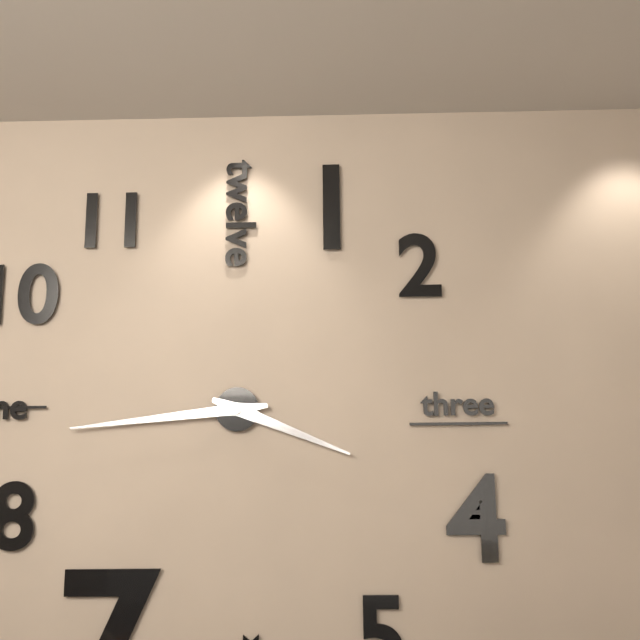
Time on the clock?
3:44
